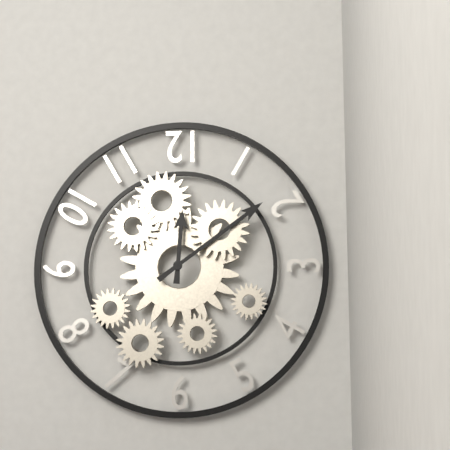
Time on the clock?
12:09
